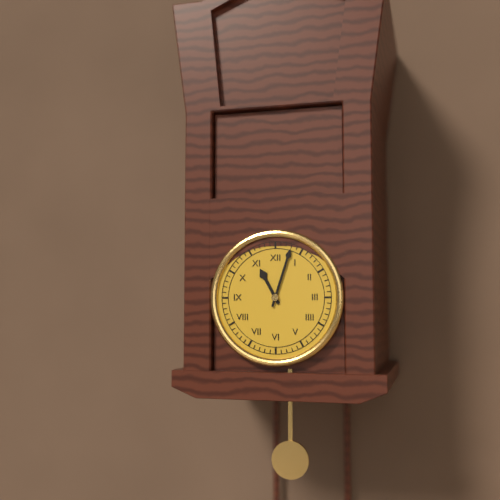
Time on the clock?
11:03
